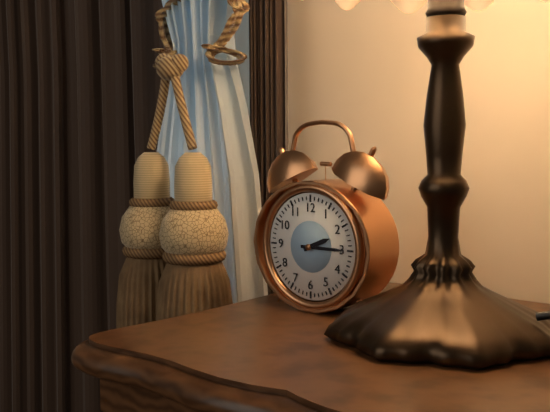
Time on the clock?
2:15
